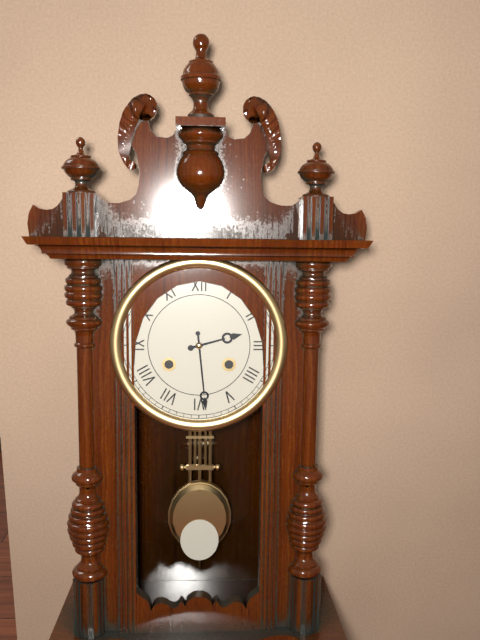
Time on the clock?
2:29
